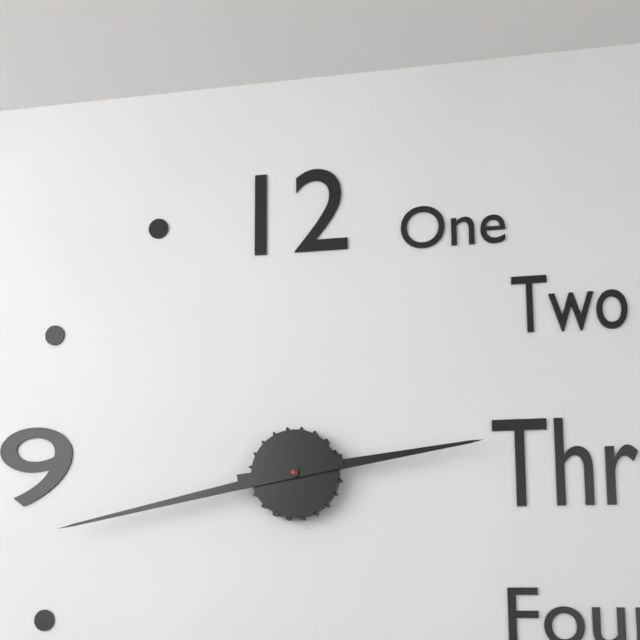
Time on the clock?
2:43
